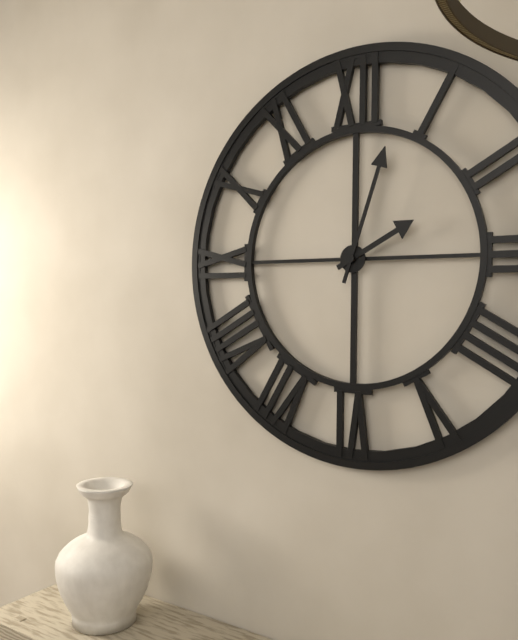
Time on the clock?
2:03
